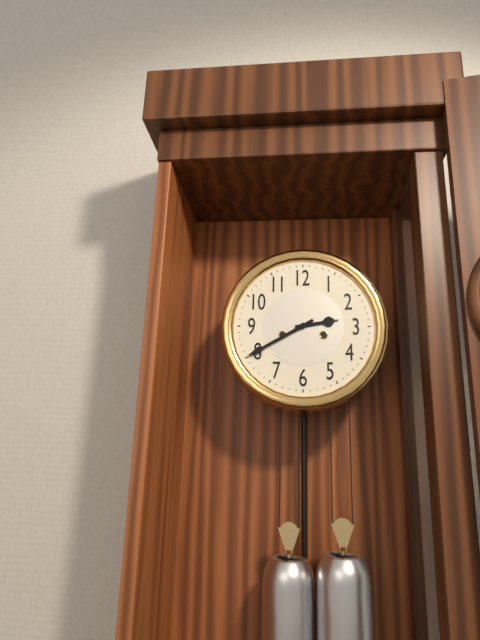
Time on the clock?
2:40
